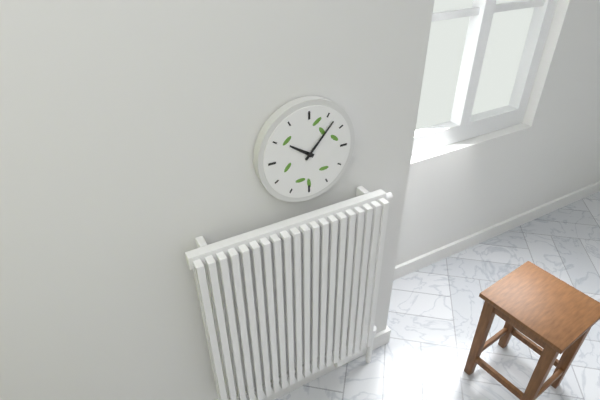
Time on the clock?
10:07
